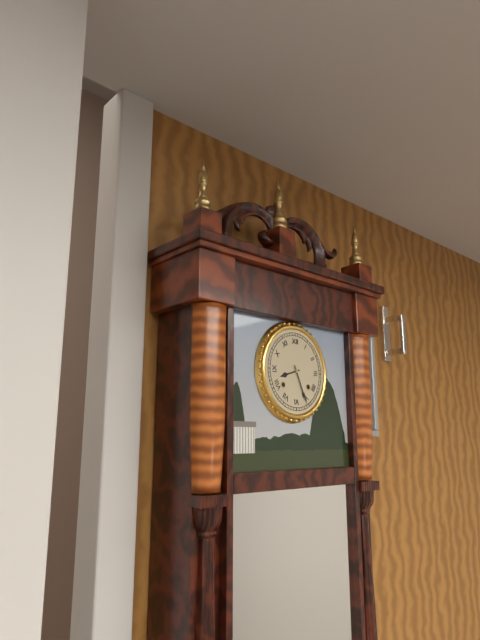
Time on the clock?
8:26
